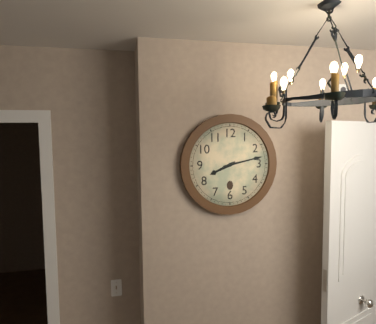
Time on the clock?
8:13
